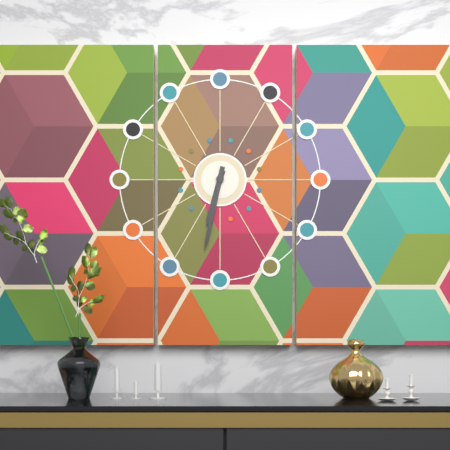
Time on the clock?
6:32
